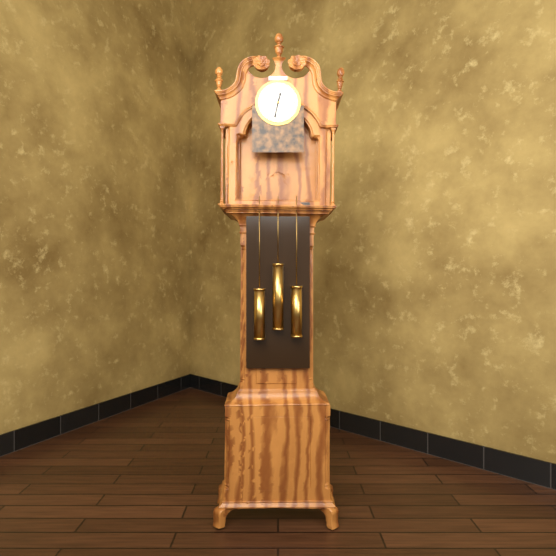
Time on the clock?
12:32
